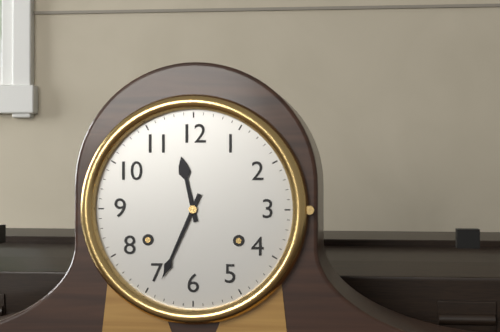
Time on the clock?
11:34
